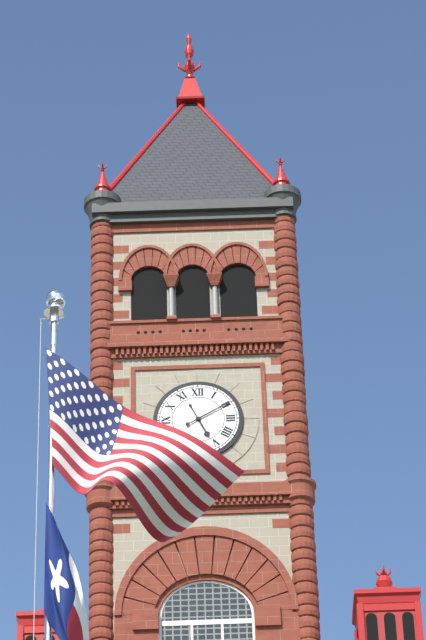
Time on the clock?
5:10
